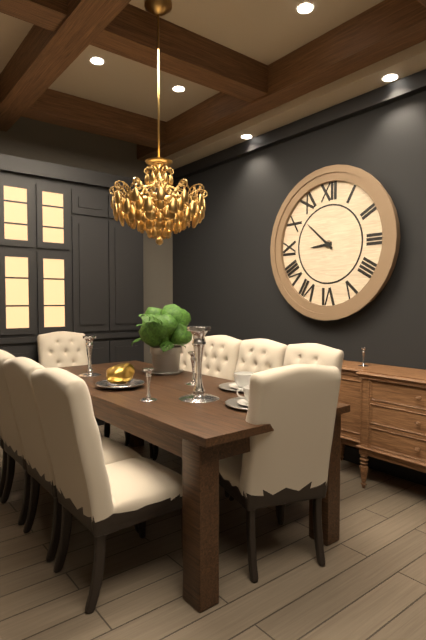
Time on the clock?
8:52
